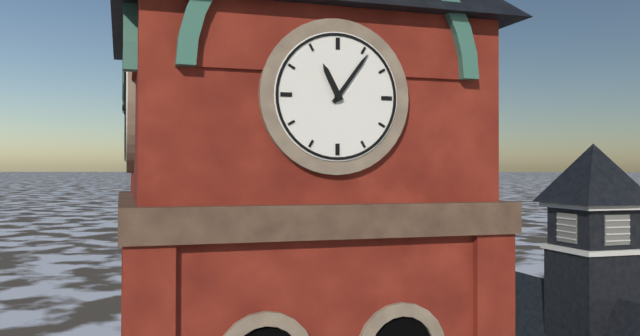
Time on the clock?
11:06
